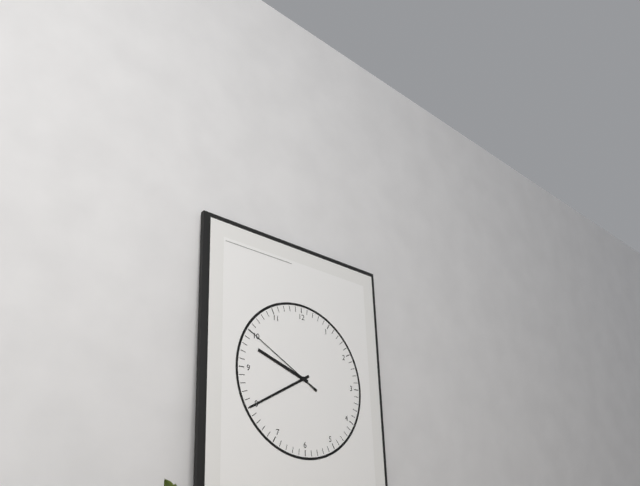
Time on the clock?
9:40:50
